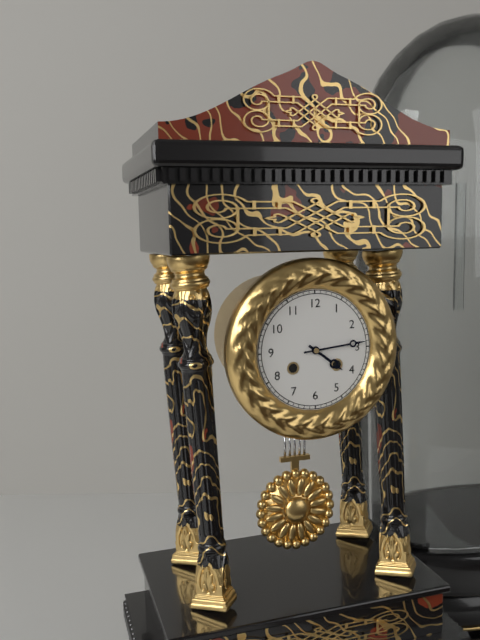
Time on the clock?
4:14
